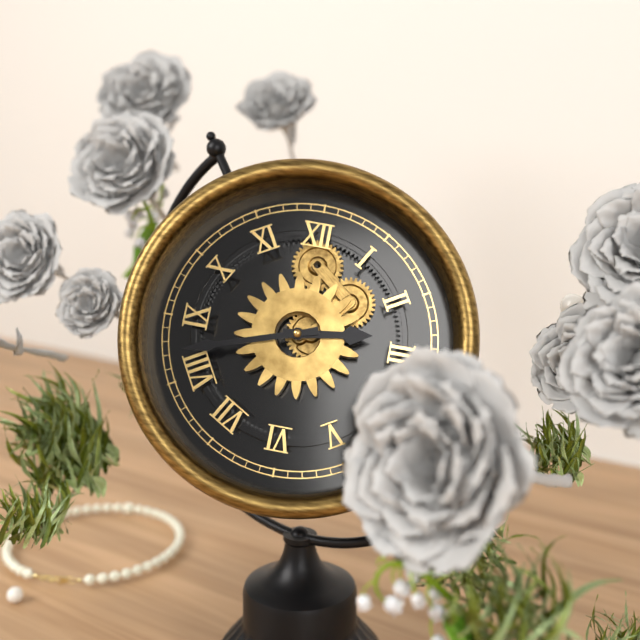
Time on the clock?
2:42
